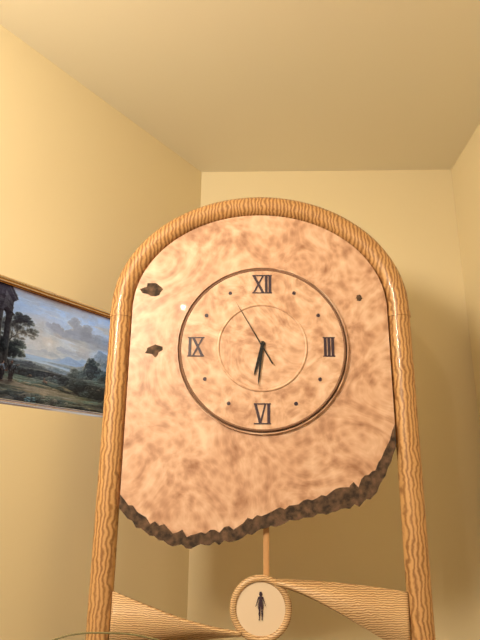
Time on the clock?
6:31:55
